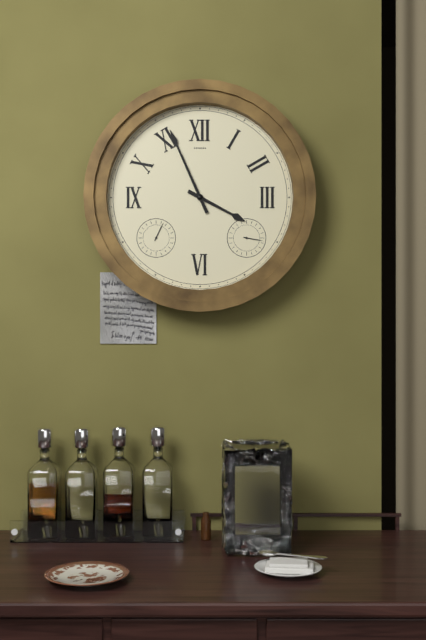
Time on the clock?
3:56
